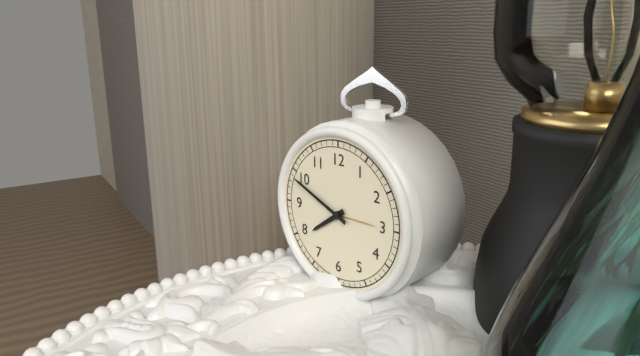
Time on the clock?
7:49
